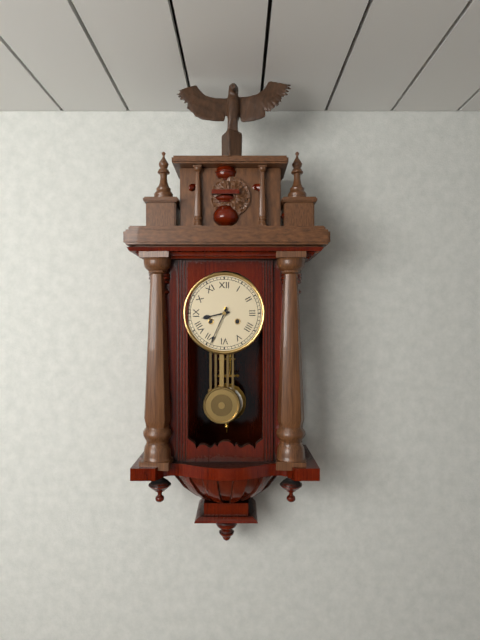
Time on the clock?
8:34
